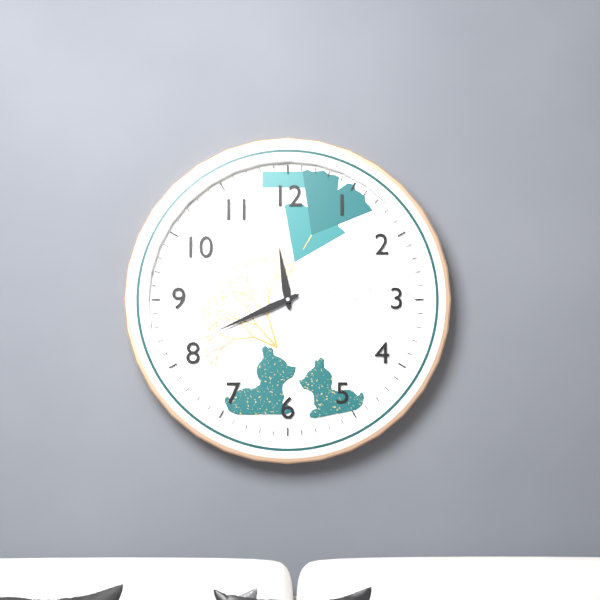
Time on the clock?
11:41
